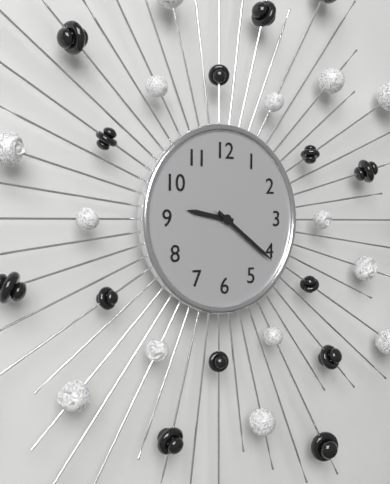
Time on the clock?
9:21
